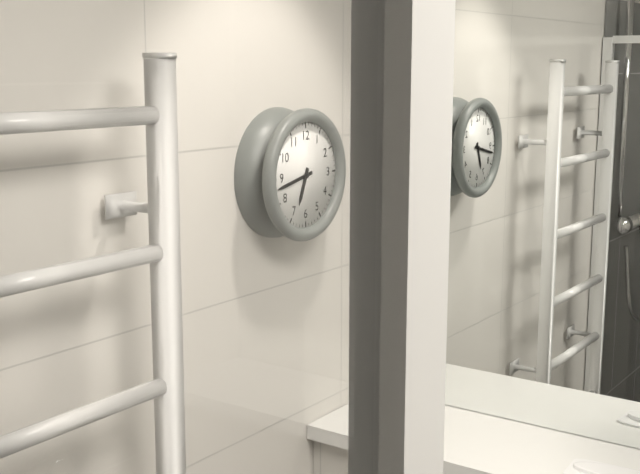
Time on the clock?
6:43
